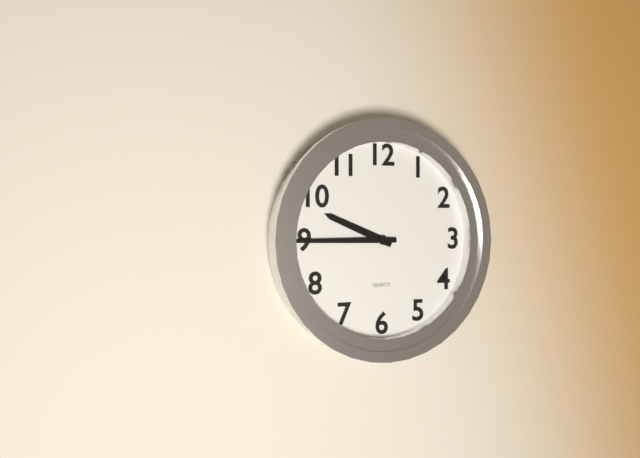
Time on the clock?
9:45
